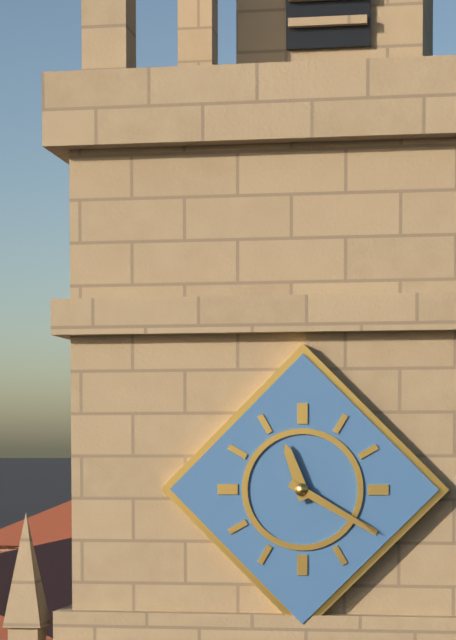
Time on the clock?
11:20
